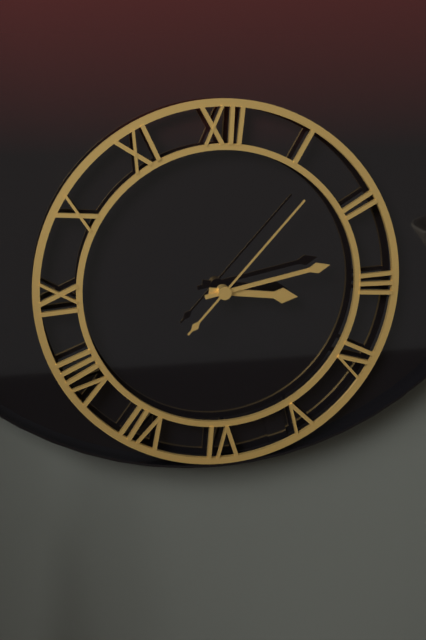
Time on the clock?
3:13:07
